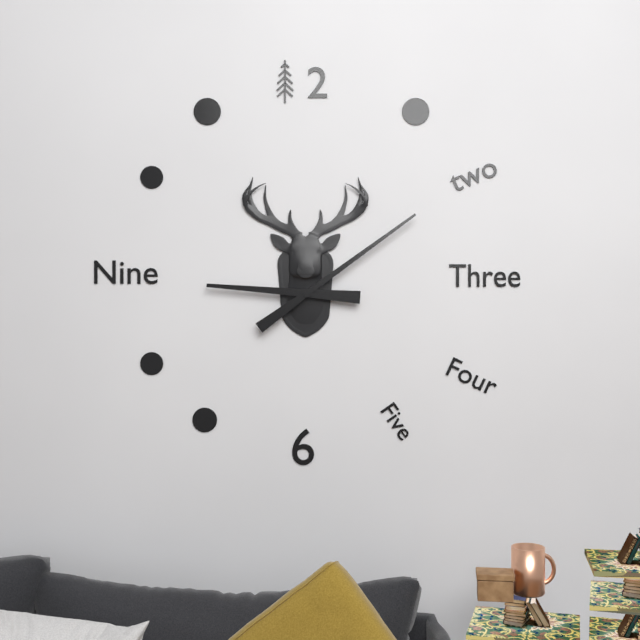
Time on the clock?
9:09
